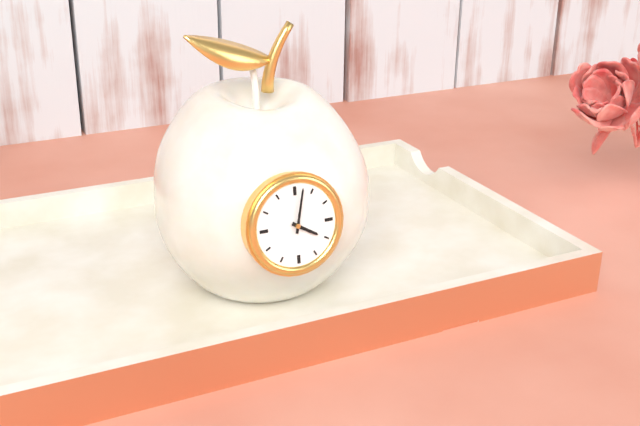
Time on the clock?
4:02
